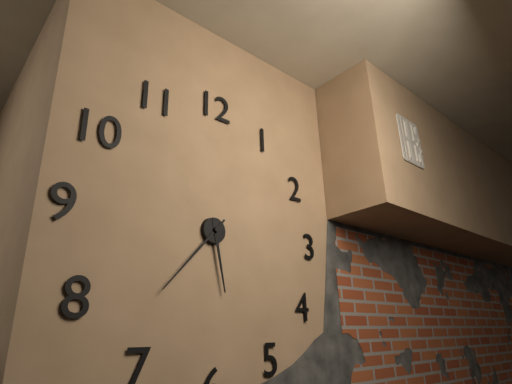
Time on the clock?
5:37
